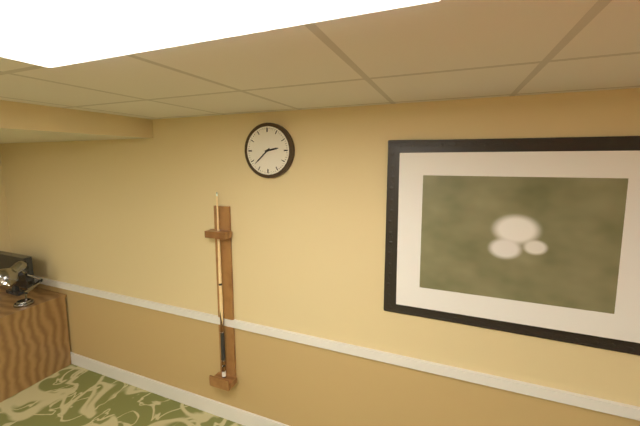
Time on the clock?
2:38
